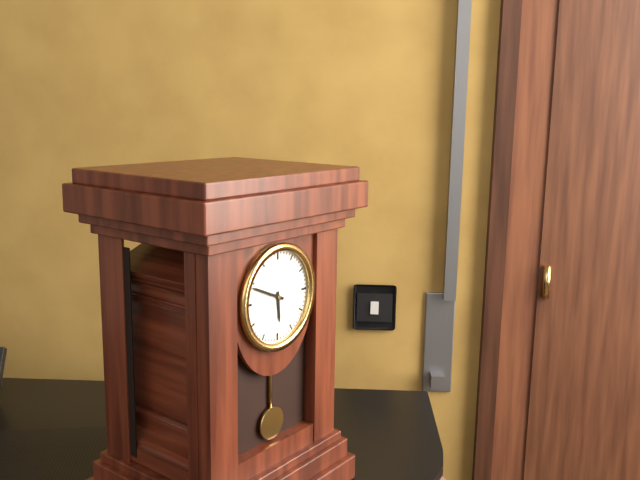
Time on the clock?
5:49
